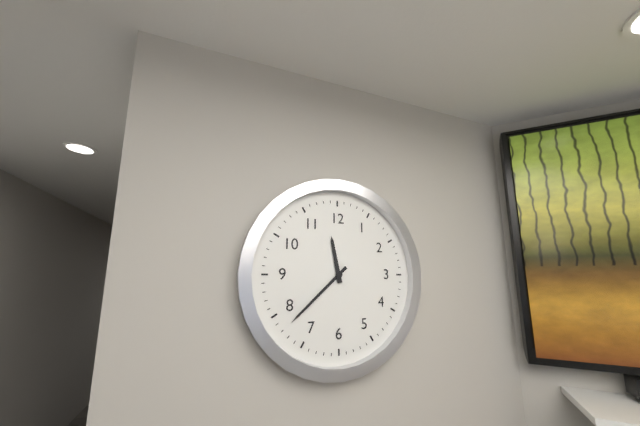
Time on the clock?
11:38
